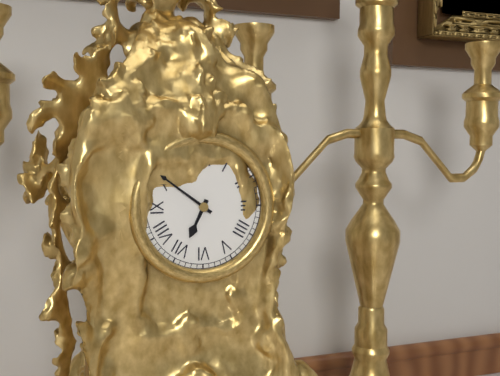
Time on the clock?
6:51
